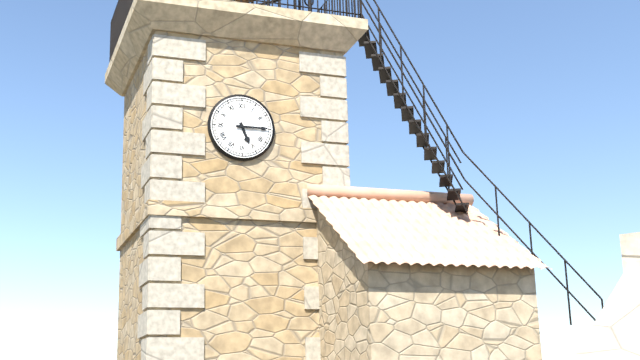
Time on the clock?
5:15
